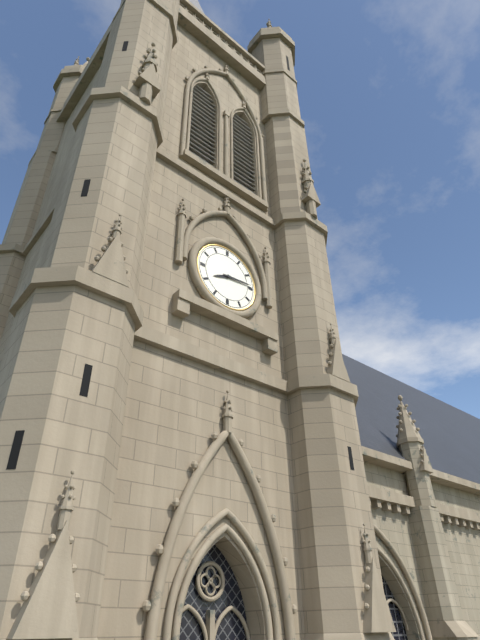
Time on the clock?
8:14
